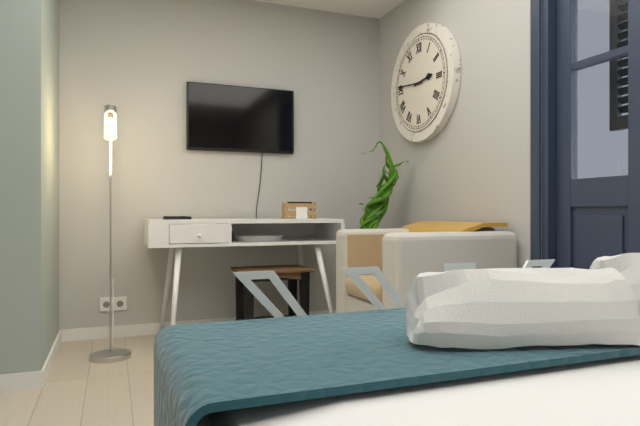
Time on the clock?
2:46
